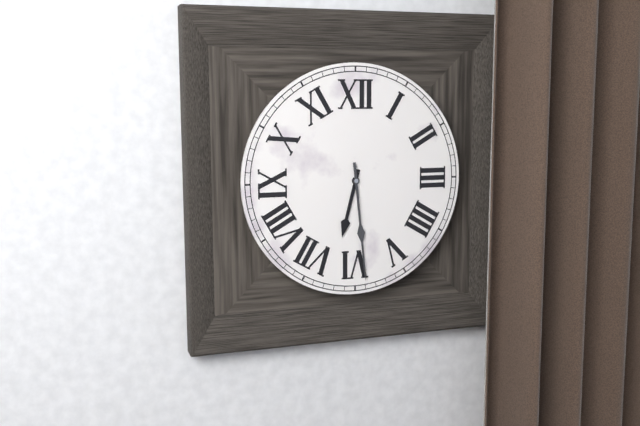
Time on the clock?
6:29
